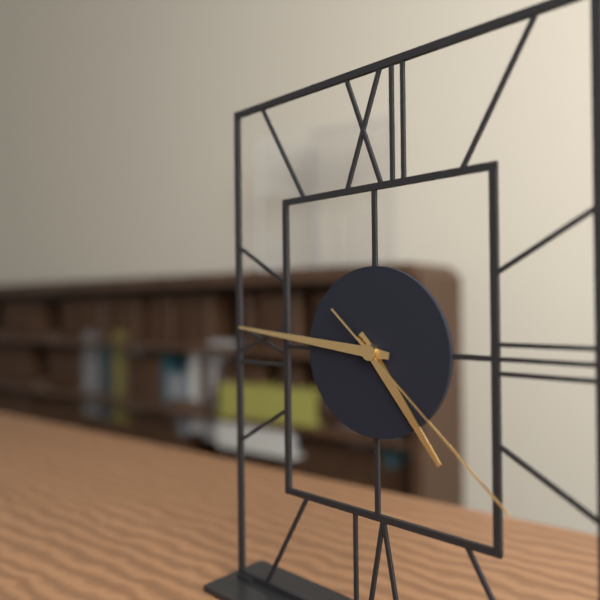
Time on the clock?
4:46:22
